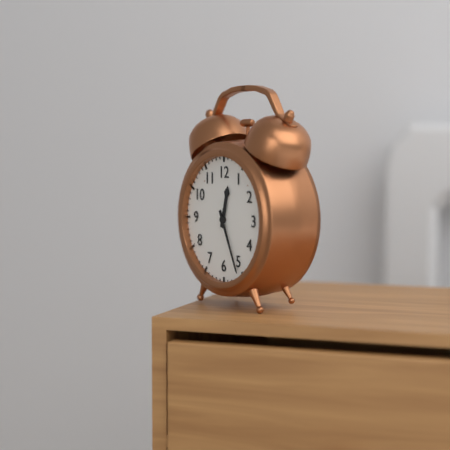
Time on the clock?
12:26
